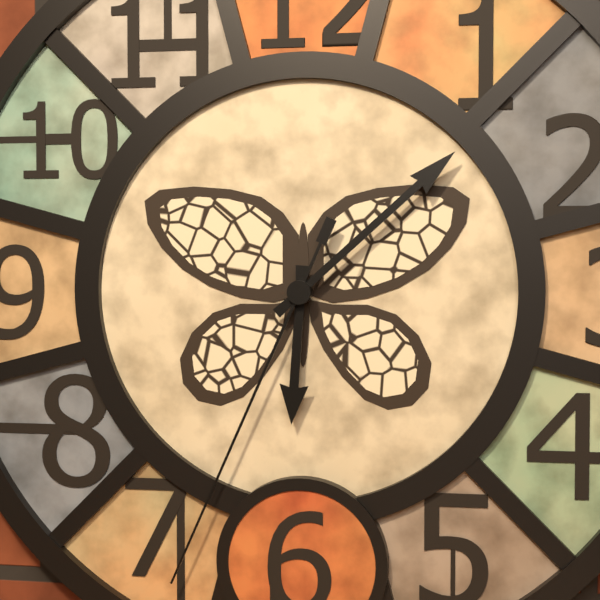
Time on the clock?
6:08:34
